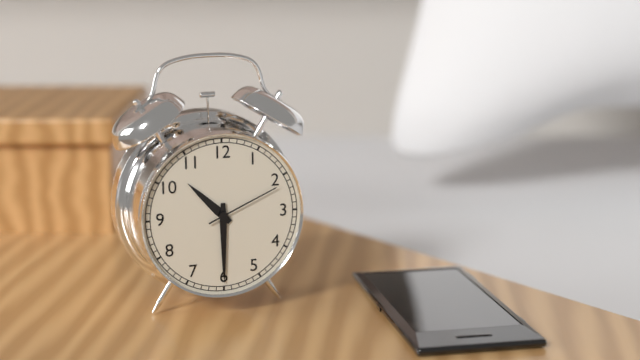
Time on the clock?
10:30:11
